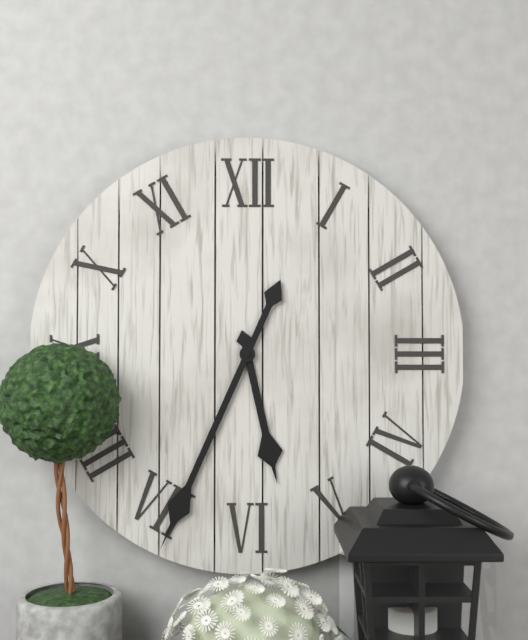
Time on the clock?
5:34
